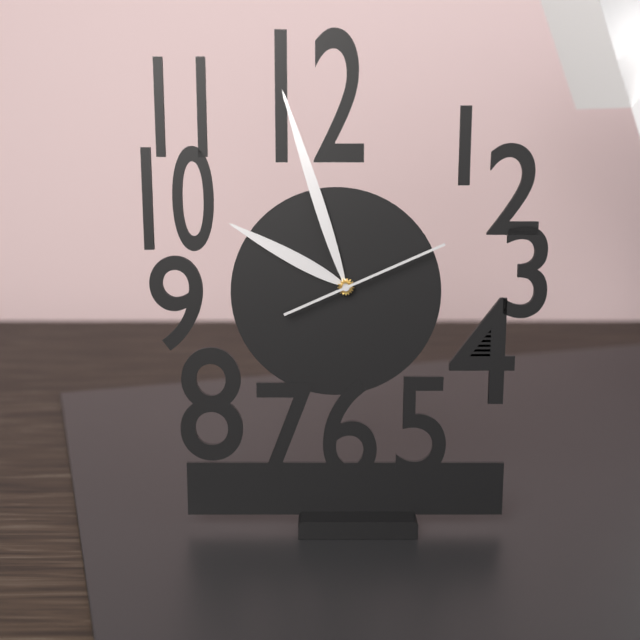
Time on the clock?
9:57:11
